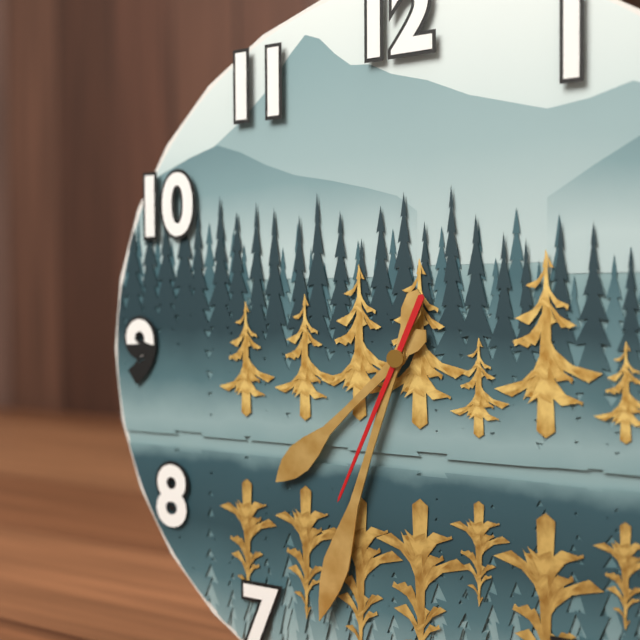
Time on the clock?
7:33:34
